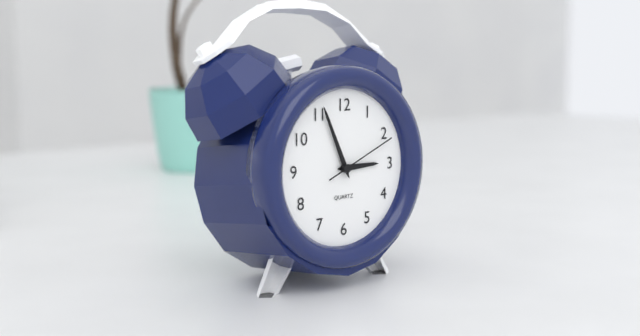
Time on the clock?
2:56:11
